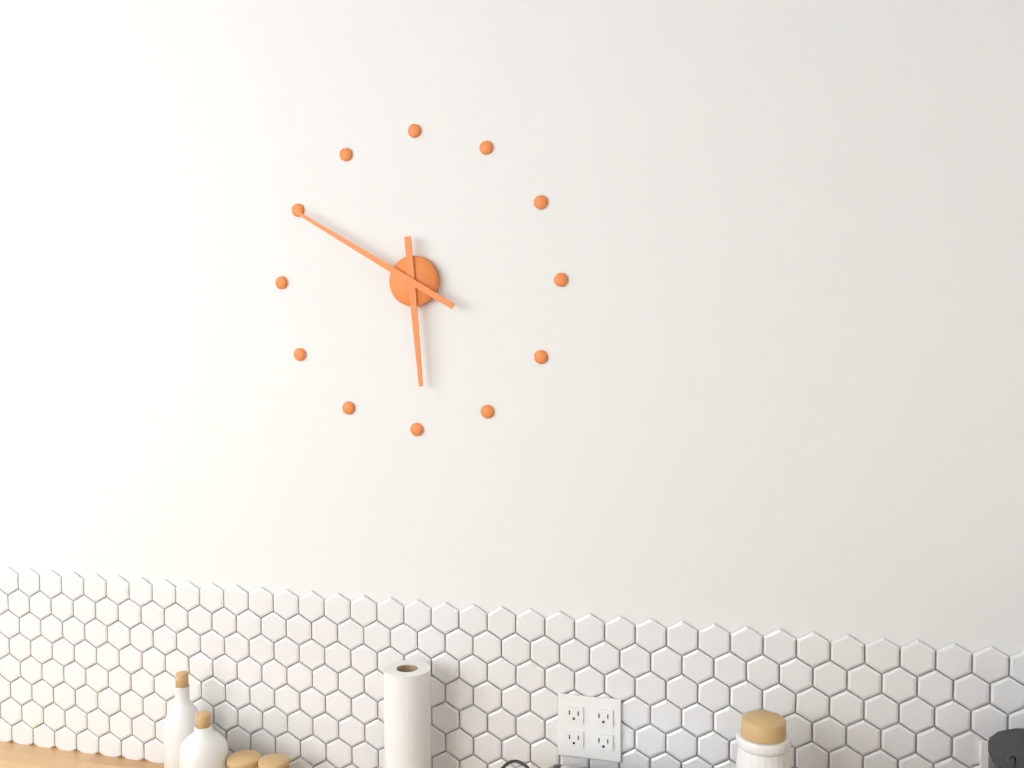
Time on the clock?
5:50
